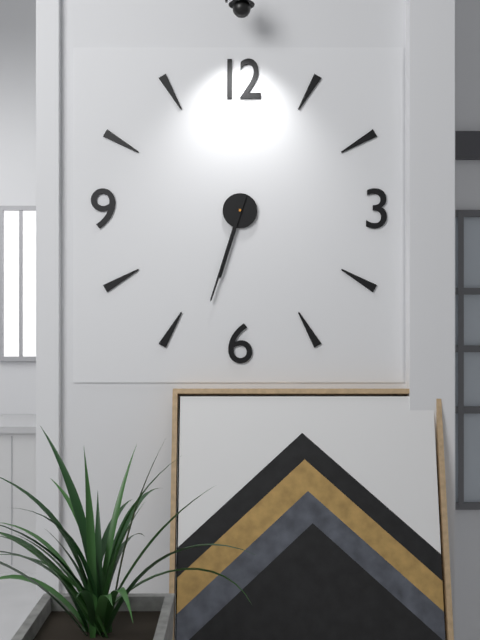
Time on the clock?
6:33
